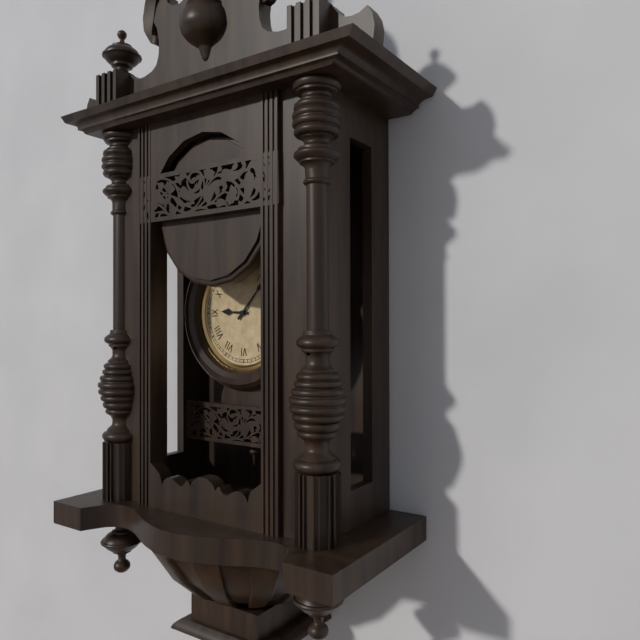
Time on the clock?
9:07
